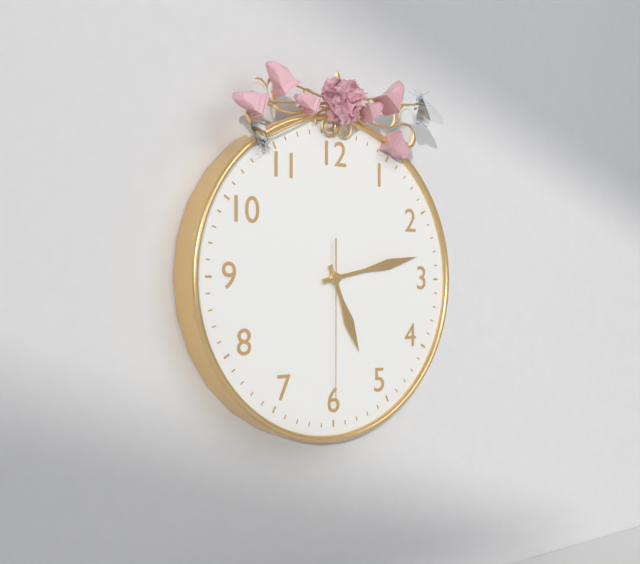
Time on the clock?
5:13:30
